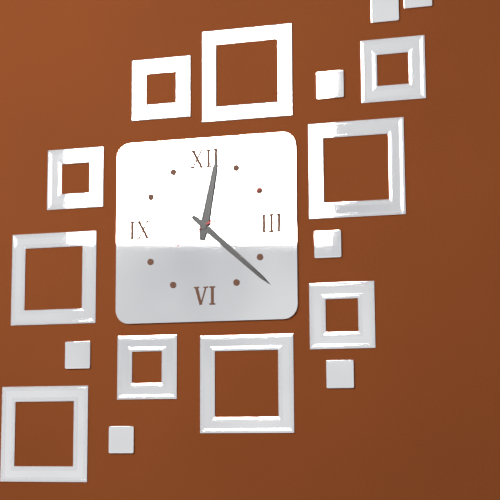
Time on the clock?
12:22:10
